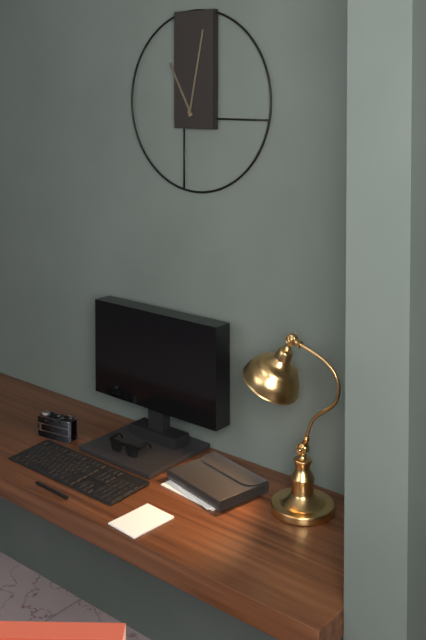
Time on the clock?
11:02
